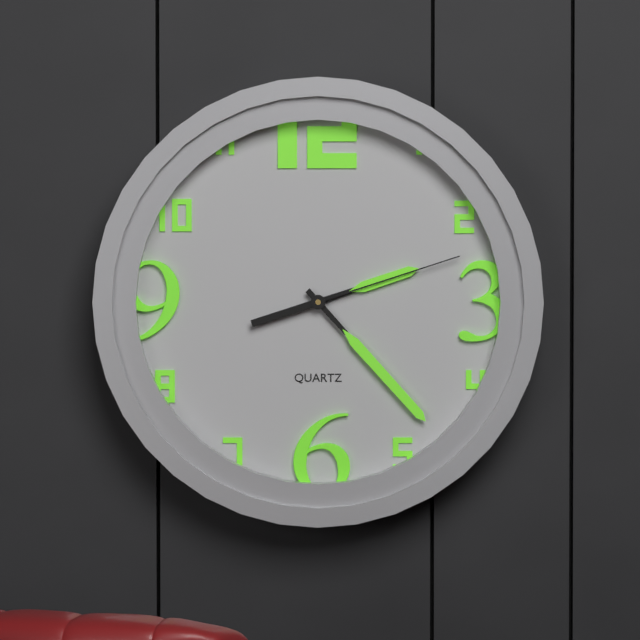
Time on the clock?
2:23:12
